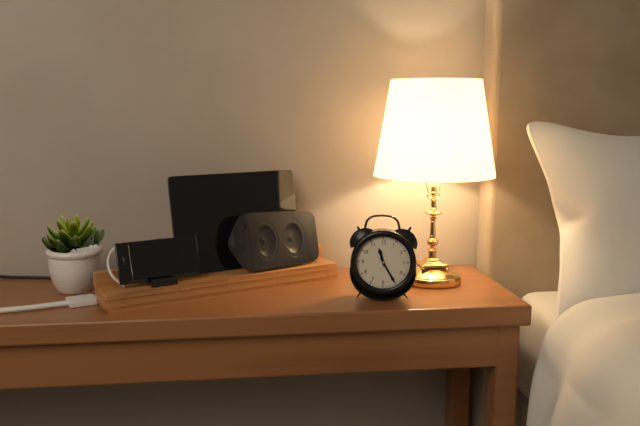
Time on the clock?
11:25
